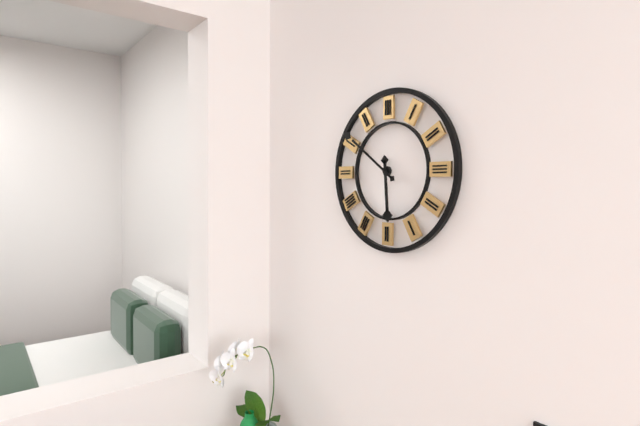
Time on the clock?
5:51
